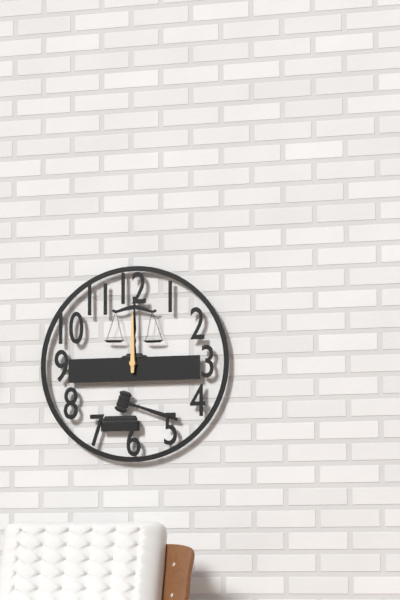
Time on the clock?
12:00
